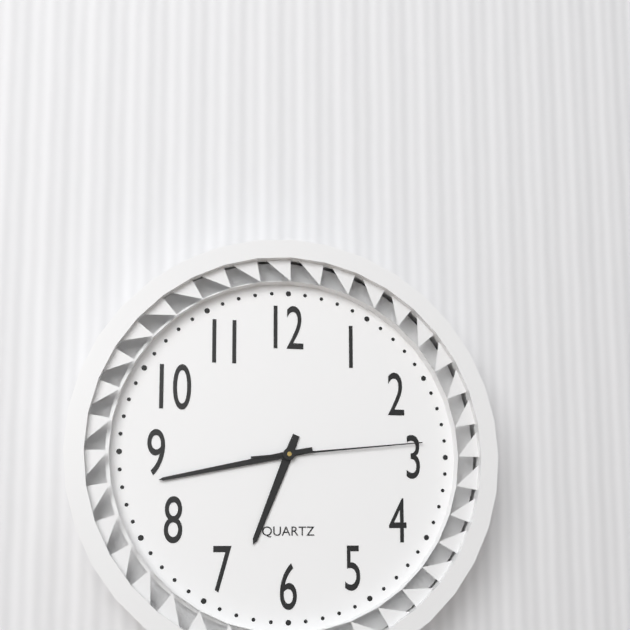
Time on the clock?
6:43:14
